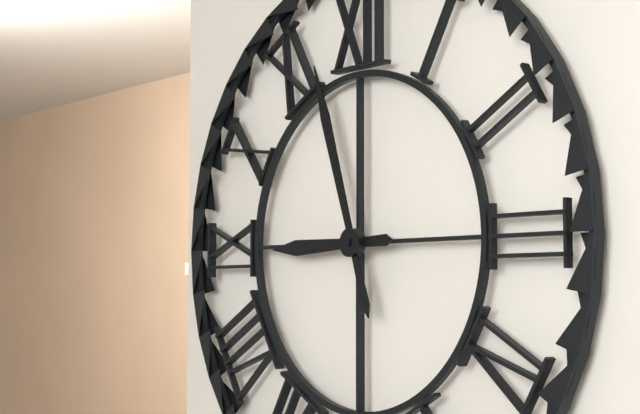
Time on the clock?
8:57
